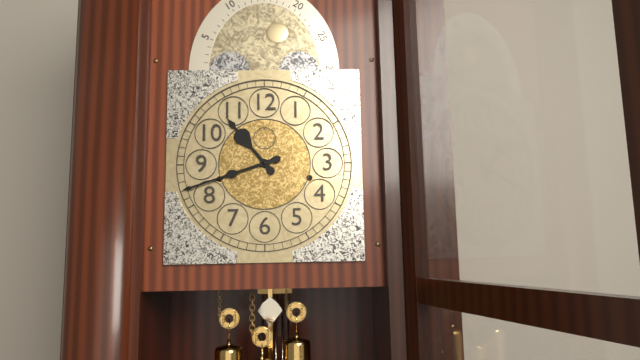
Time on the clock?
10:42
